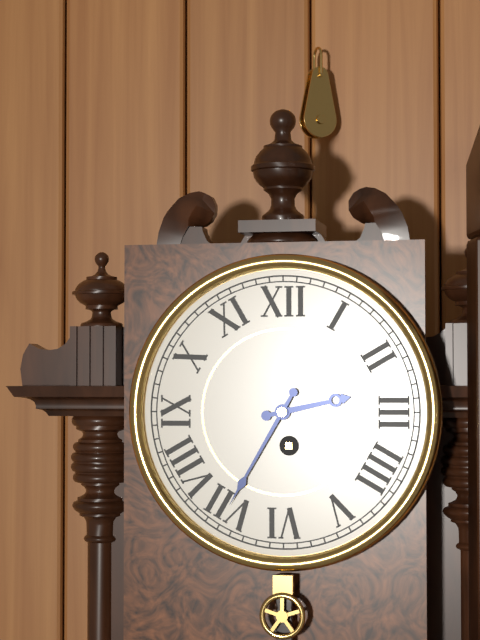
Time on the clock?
2:35
